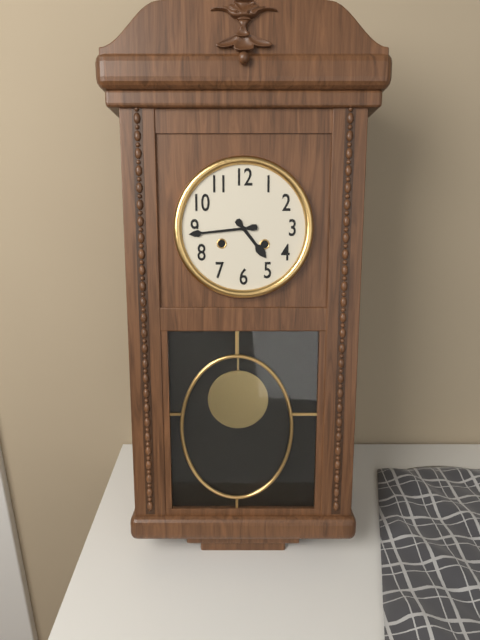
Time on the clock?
4:44
